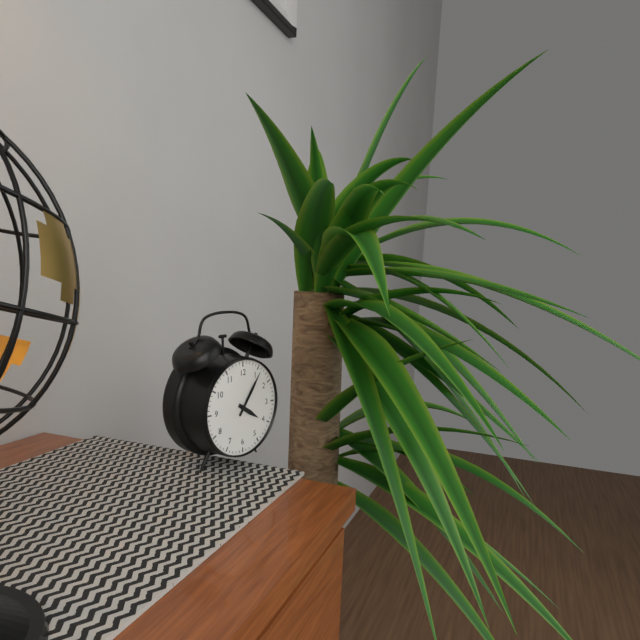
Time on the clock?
4:06
